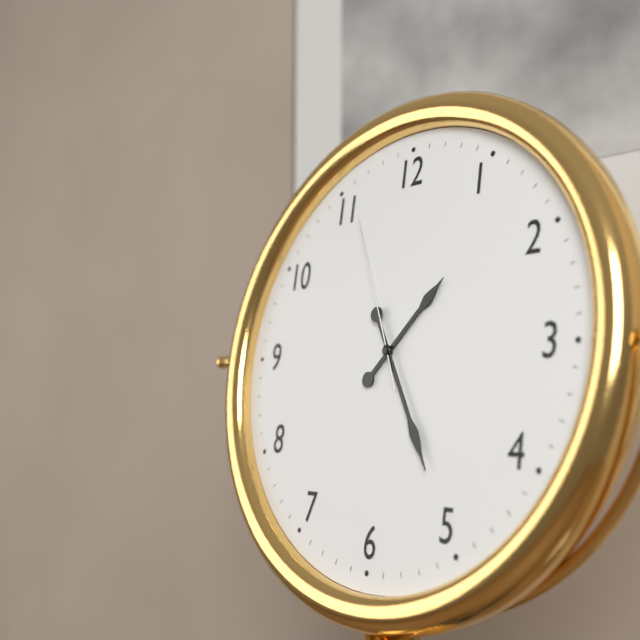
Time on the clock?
1:25:56
